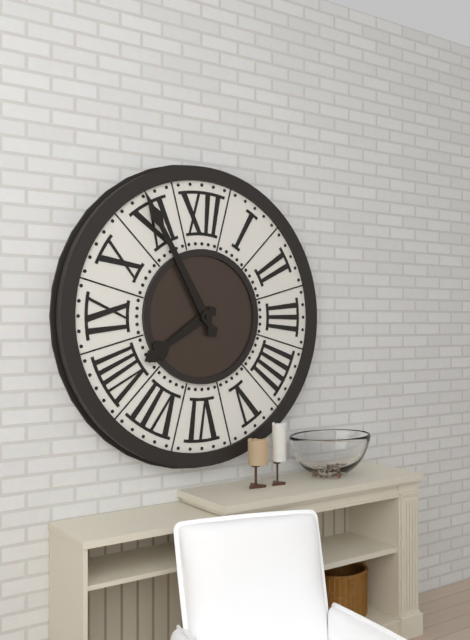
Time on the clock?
7:55
